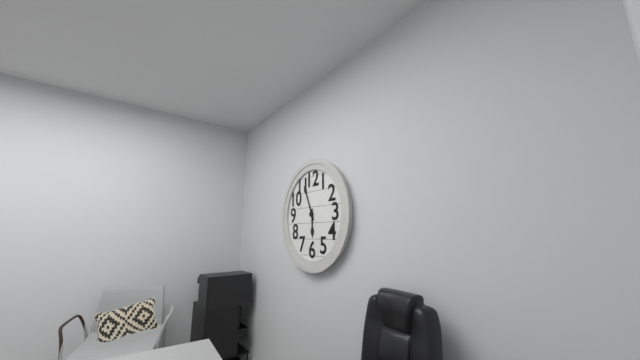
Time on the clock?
5:56
